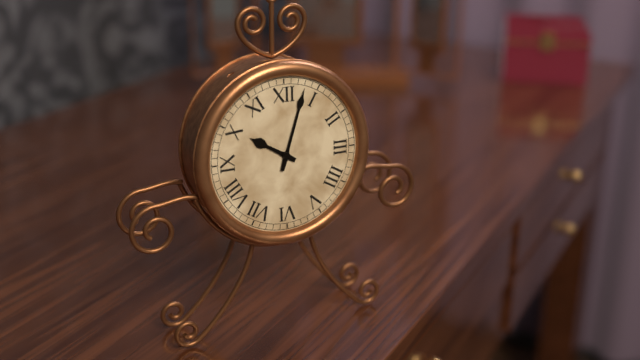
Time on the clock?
10:03
